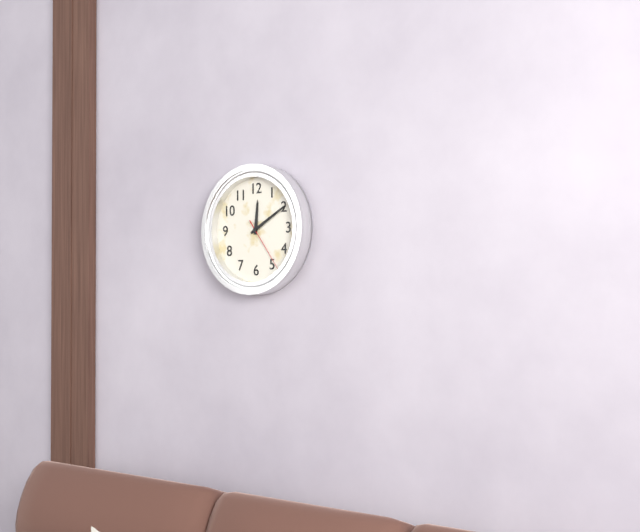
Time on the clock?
12:10:24
